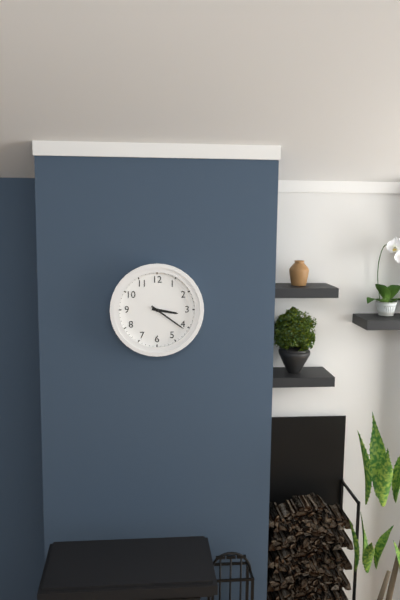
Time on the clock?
3:21
